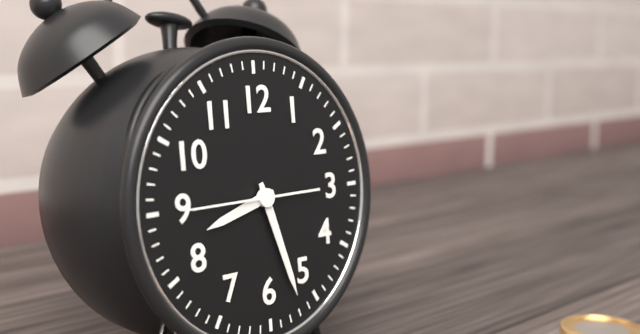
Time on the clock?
8:27:45
